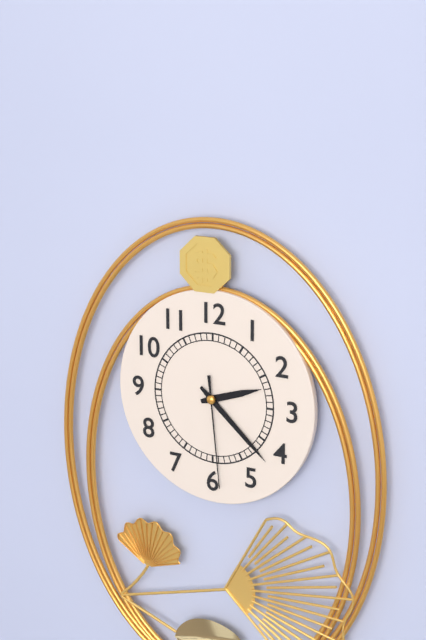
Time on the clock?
2:22:29
